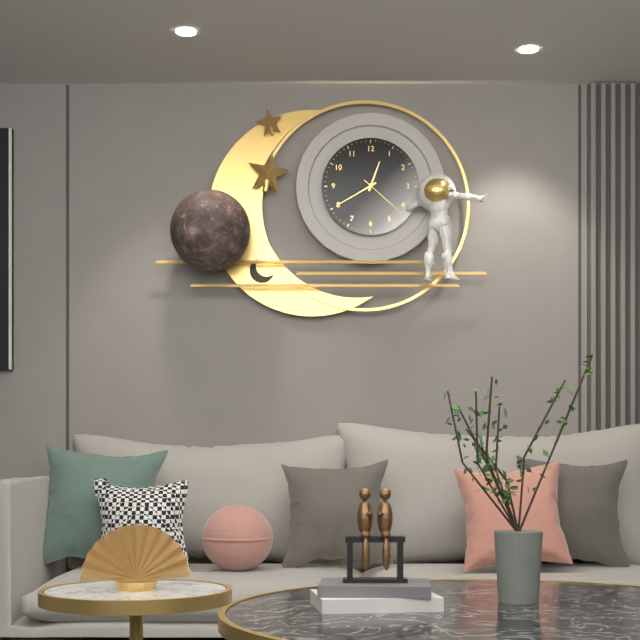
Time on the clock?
12:40:22
